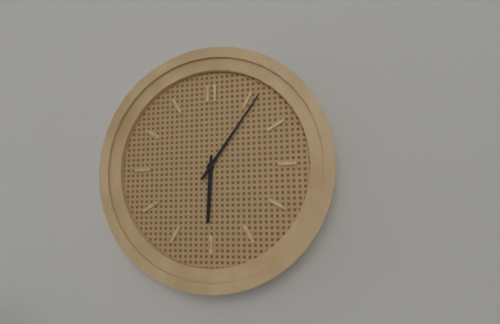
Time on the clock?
6:06
